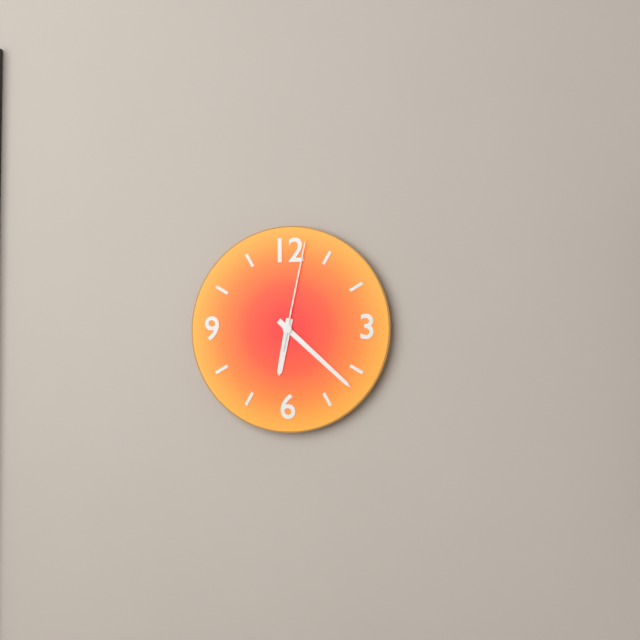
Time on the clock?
6:22:02
